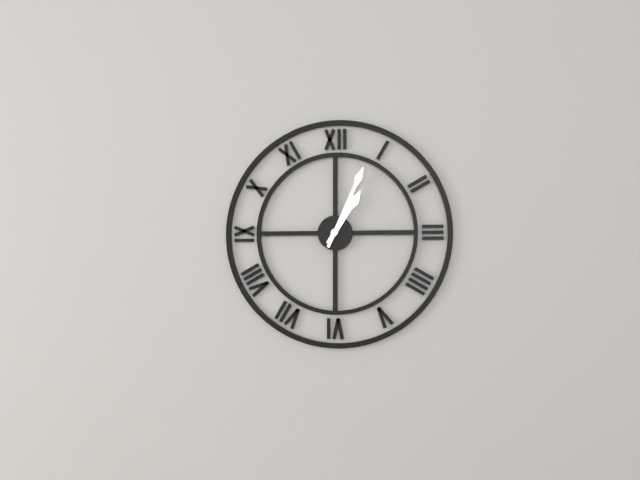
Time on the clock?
1:04
